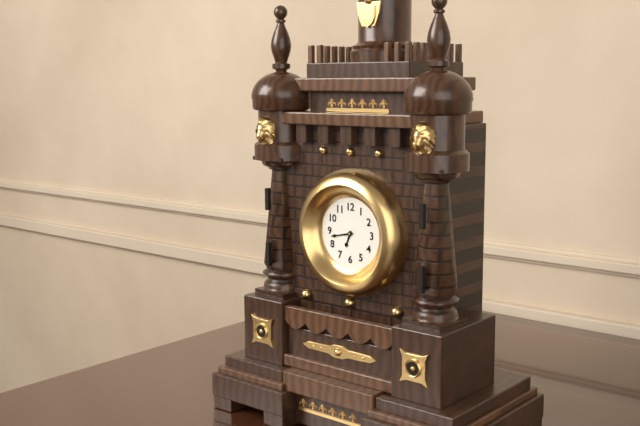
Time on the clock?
6:43
